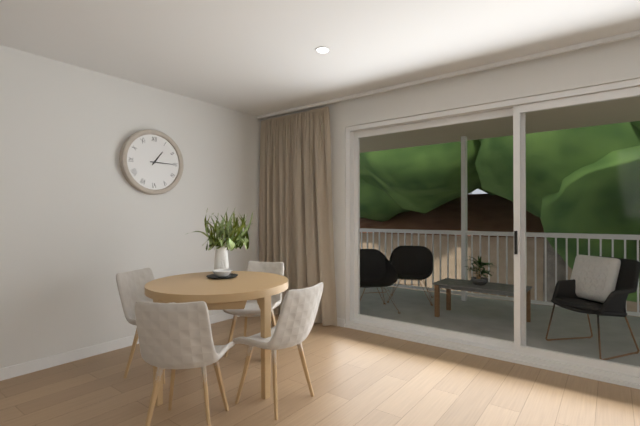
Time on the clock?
1:15
